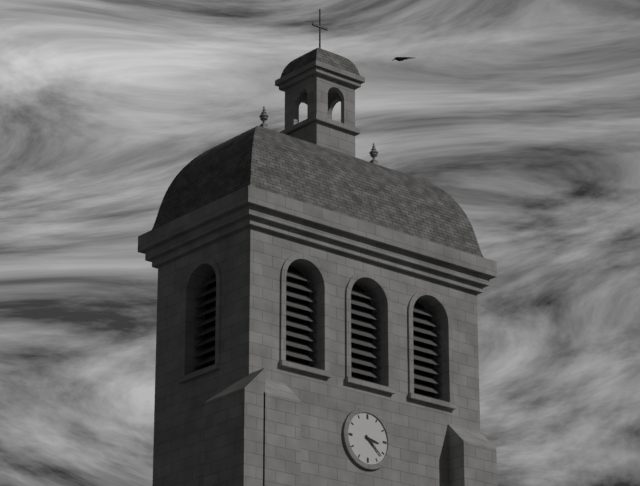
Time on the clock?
3:22
